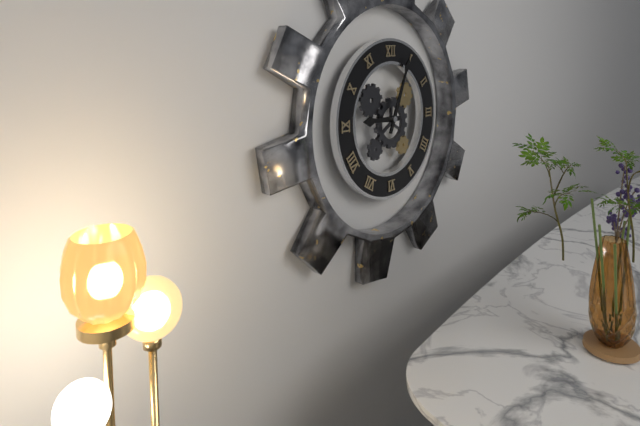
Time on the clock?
9:04
